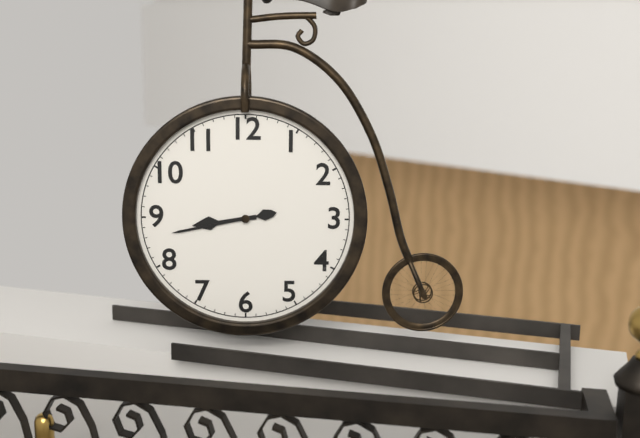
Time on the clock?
8:43
